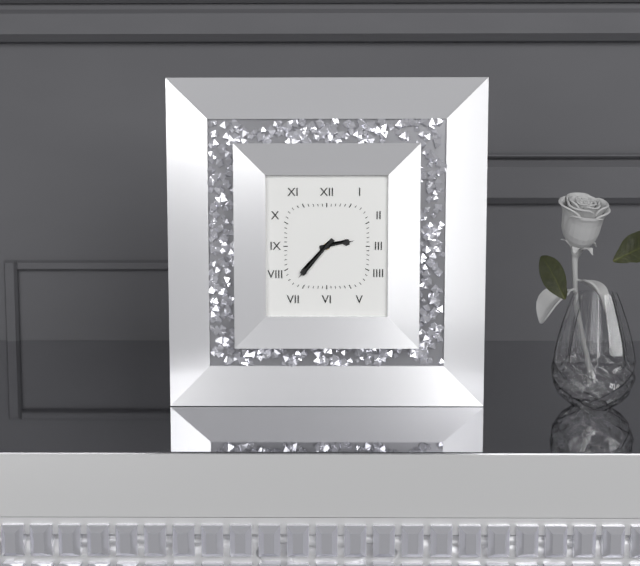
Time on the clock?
2:37
